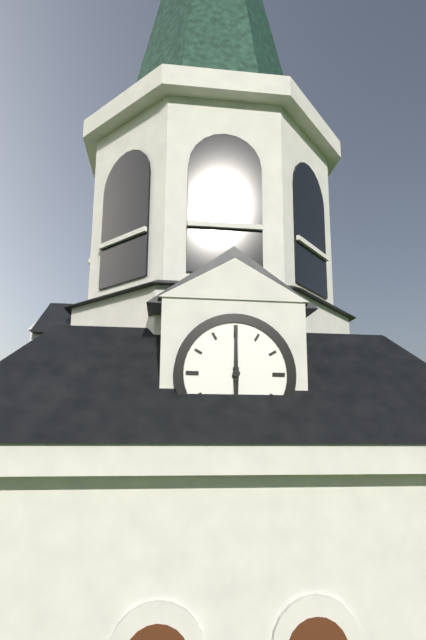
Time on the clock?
6:00
